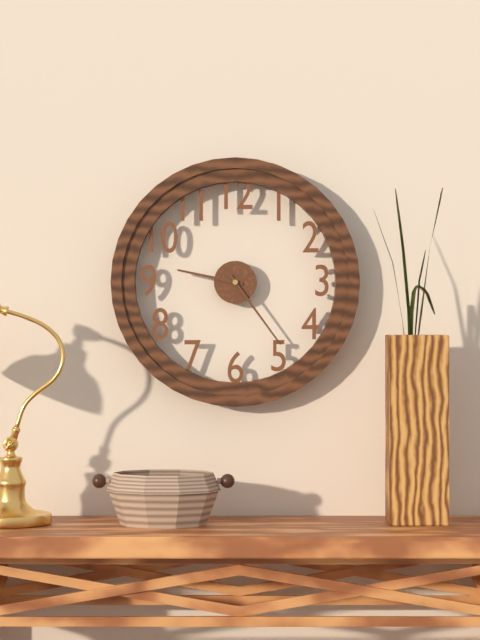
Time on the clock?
9:24
